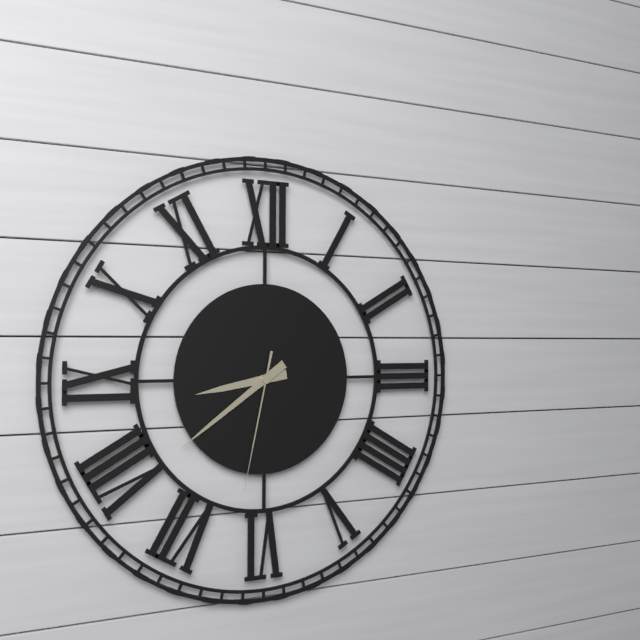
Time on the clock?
8:39:32
